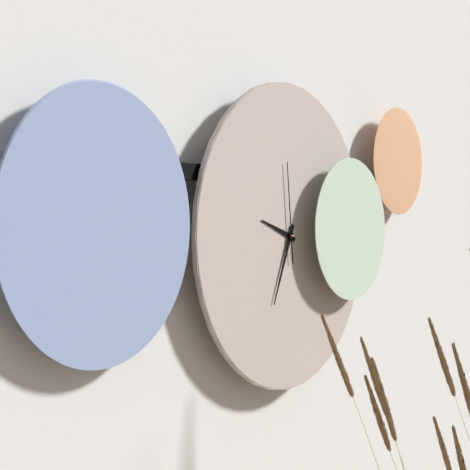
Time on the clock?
9:34:59
